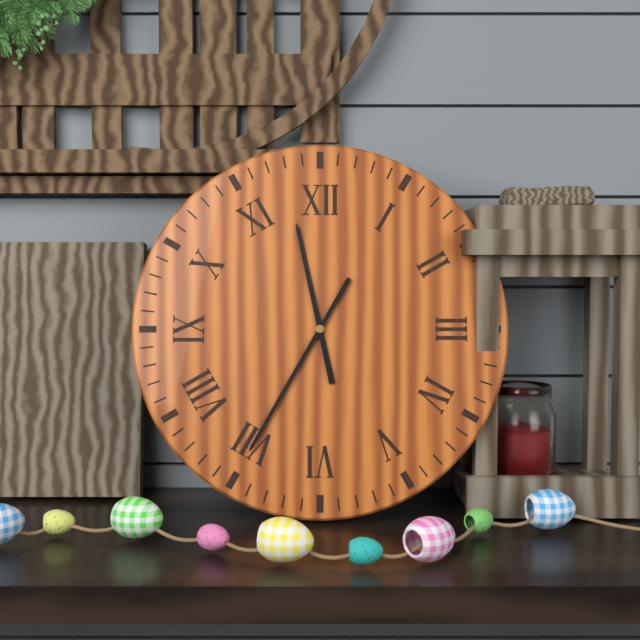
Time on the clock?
11:35
